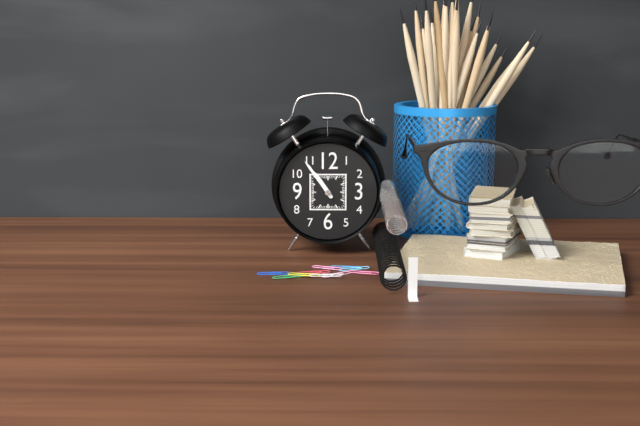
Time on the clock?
10:54
